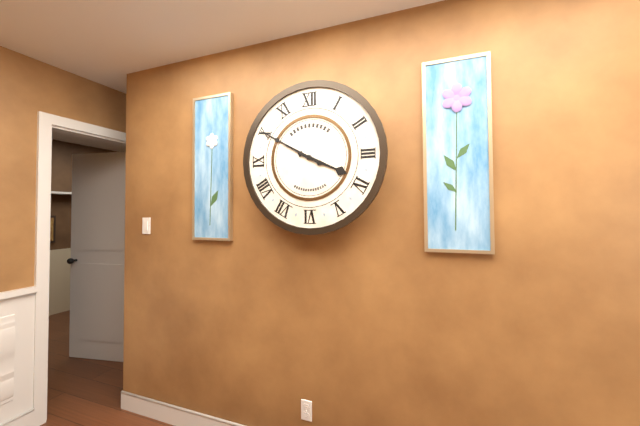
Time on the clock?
3:50
